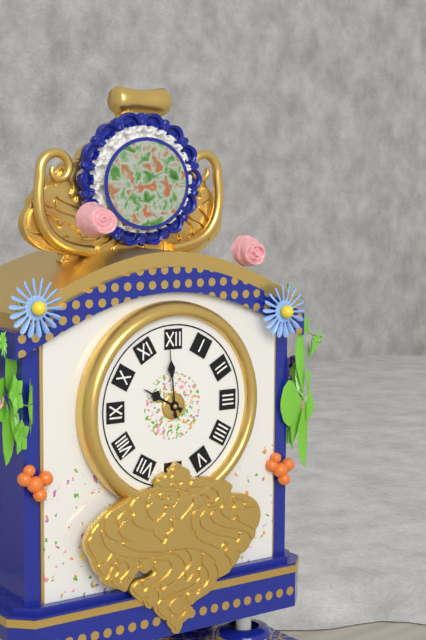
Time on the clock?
9:59
